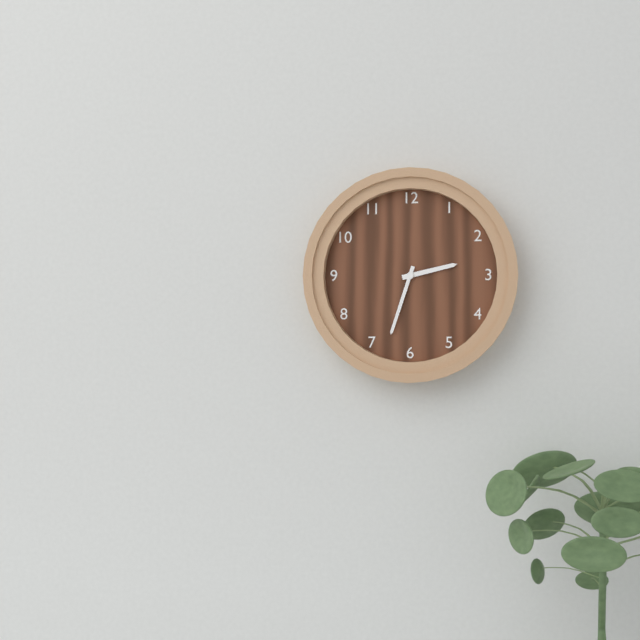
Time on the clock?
2:33
